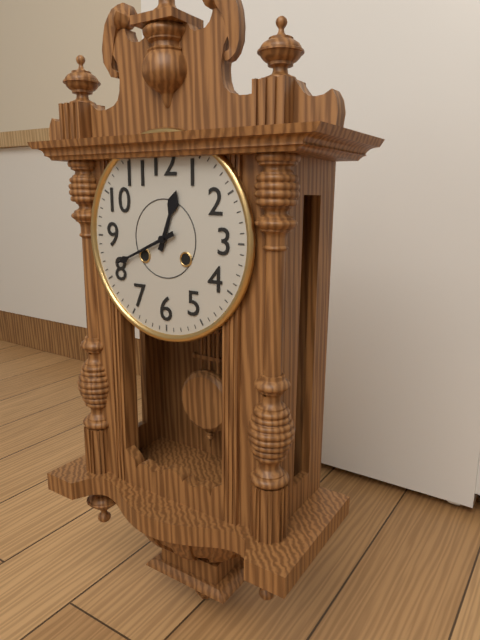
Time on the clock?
12:41
